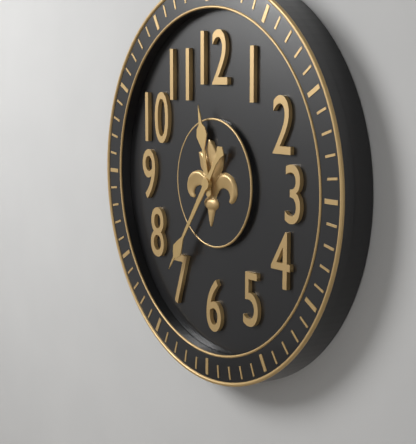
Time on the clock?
11:36
